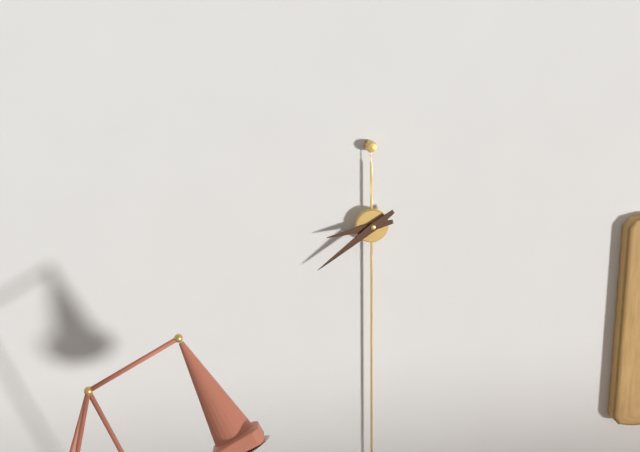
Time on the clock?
8:39
